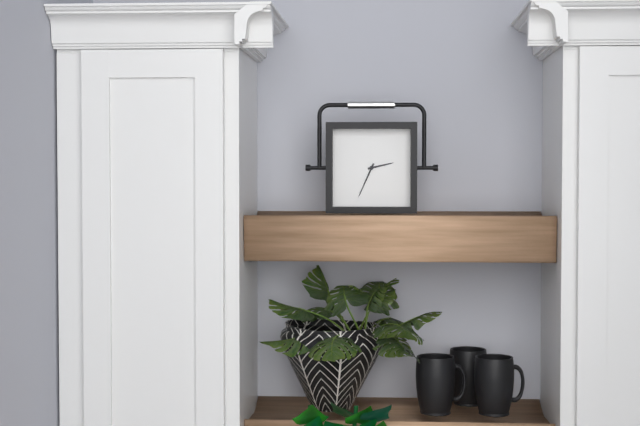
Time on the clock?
2:34
